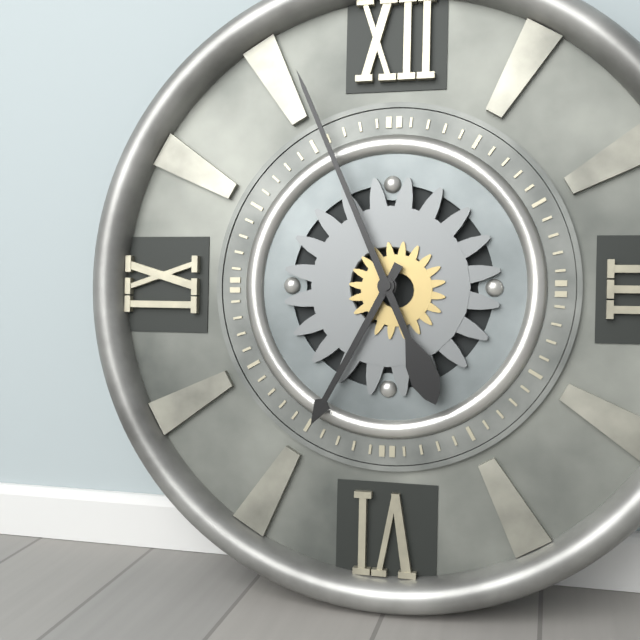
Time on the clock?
6:56
